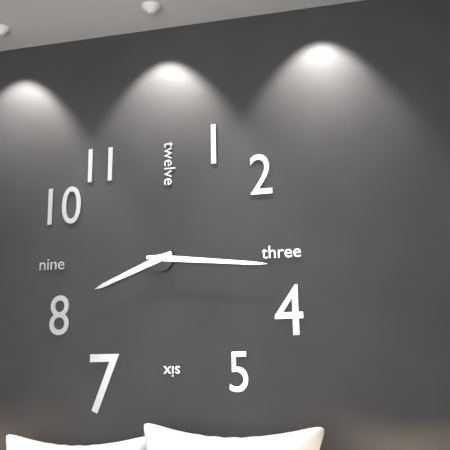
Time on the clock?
8:16
